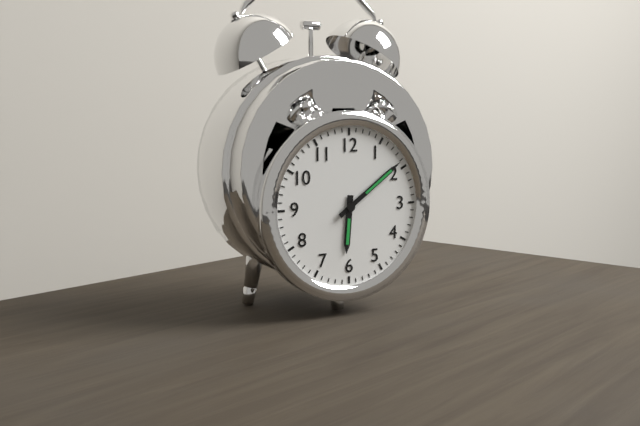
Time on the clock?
6:09
